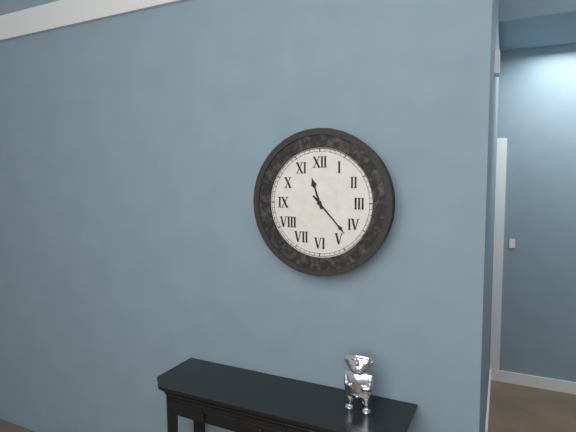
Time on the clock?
11:23
